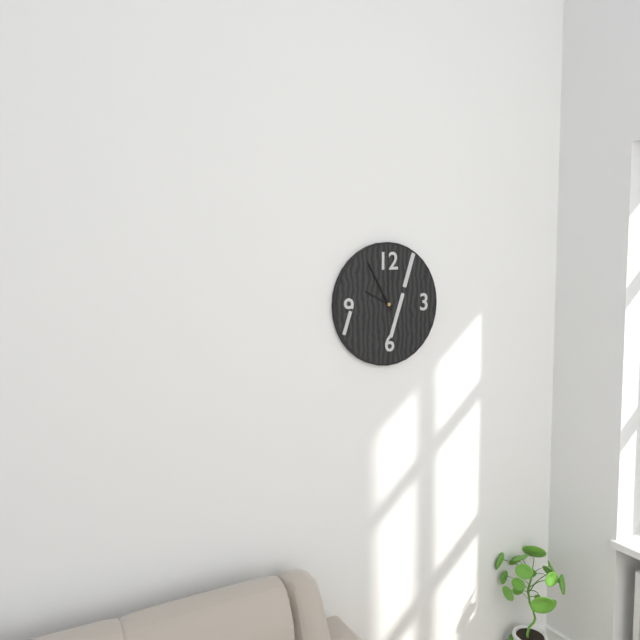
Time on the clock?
9:55
